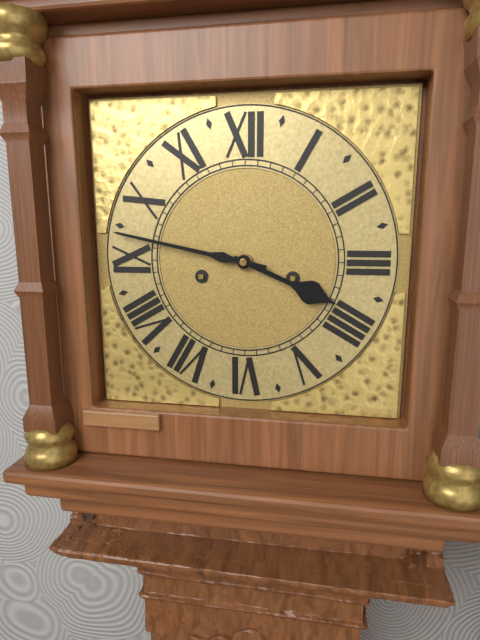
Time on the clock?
3:47
